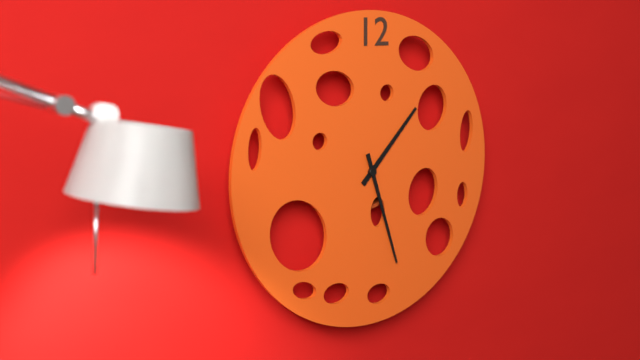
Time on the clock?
1:27
